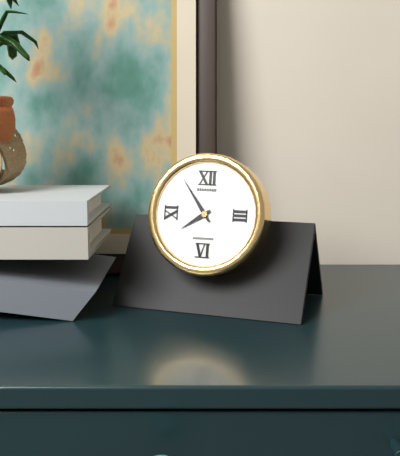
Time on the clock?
7:54
